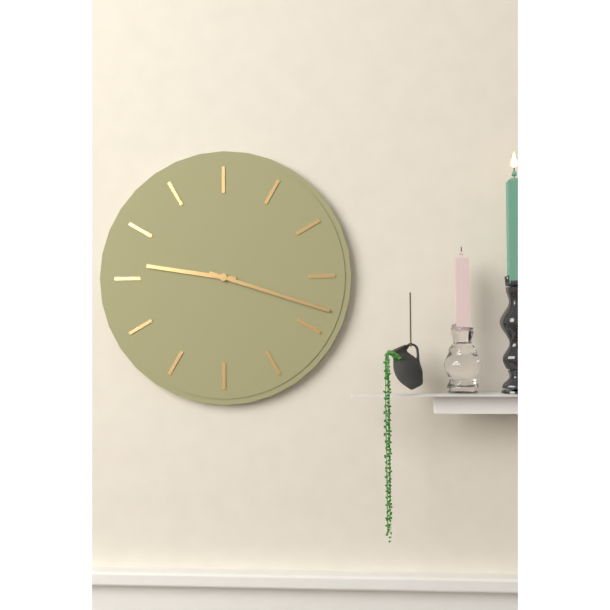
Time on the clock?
9:18
